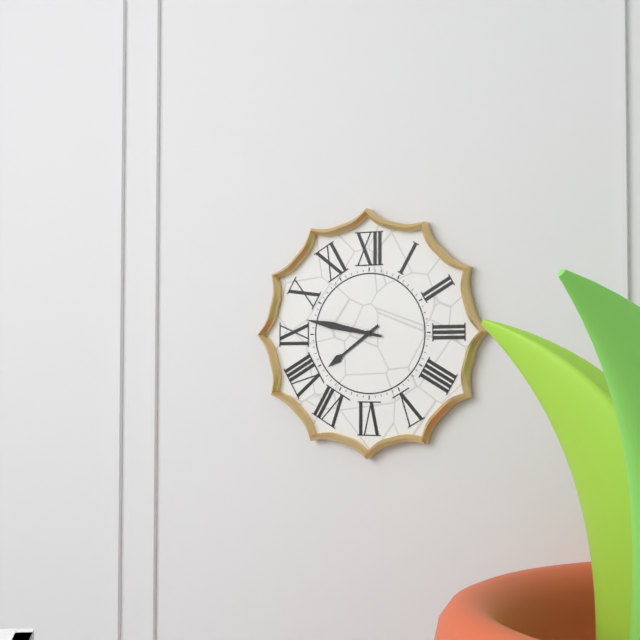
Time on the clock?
7:47
